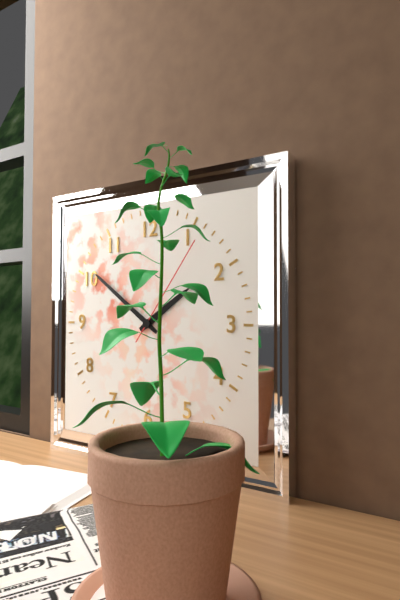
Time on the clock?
1:51:06
